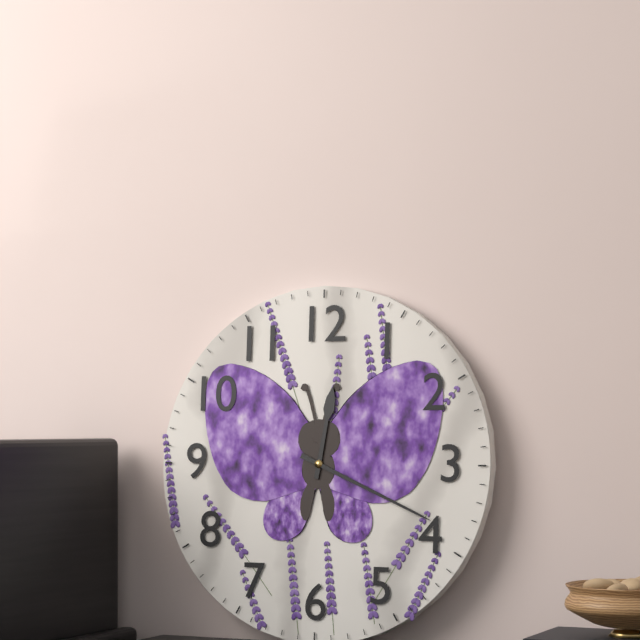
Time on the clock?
12:19
